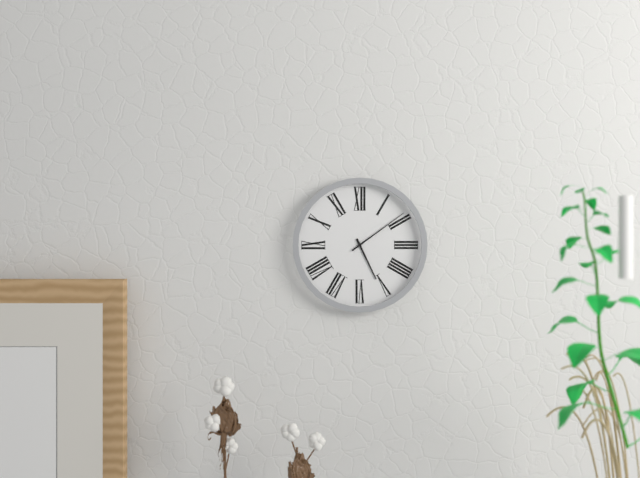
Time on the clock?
5:09
